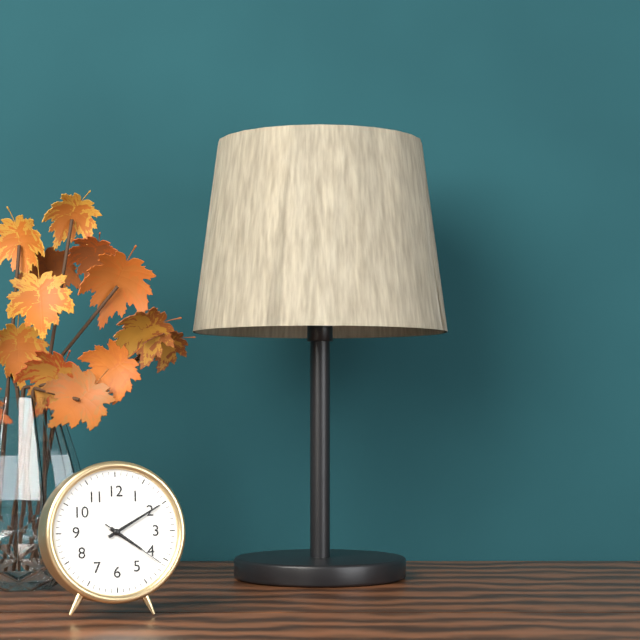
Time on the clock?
4:10:21
